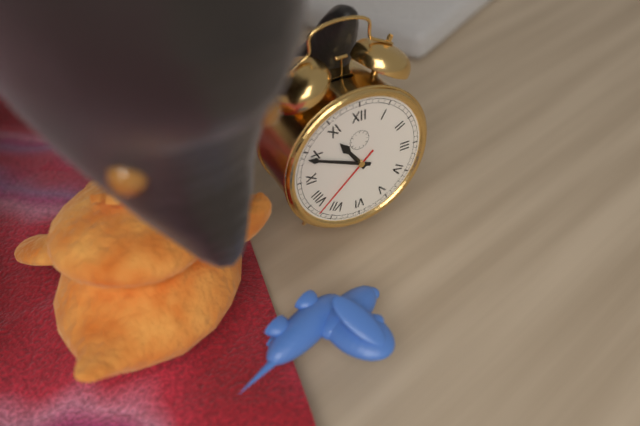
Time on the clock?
10:49:38
